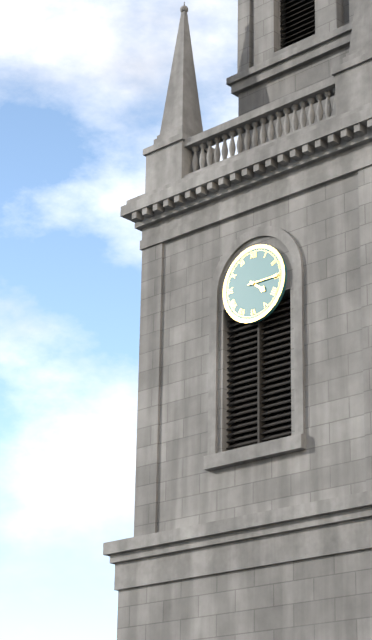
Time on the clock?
4:15
